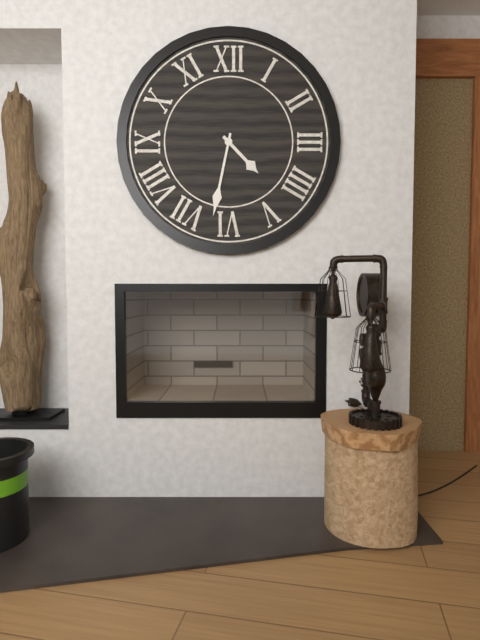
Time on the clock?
4:32
